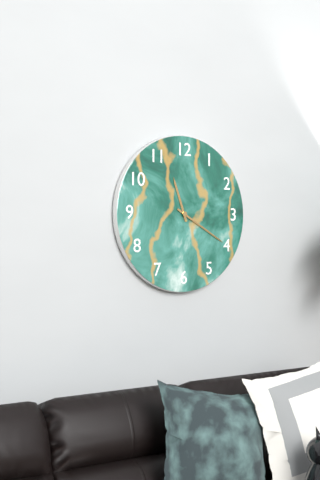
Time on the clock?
11:20
